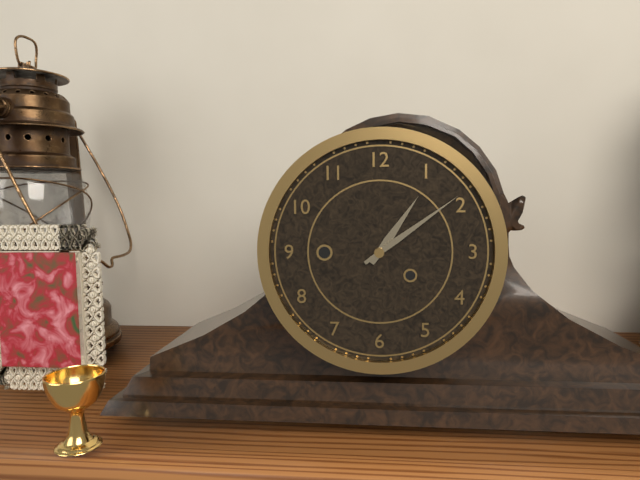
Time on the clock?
1:09
